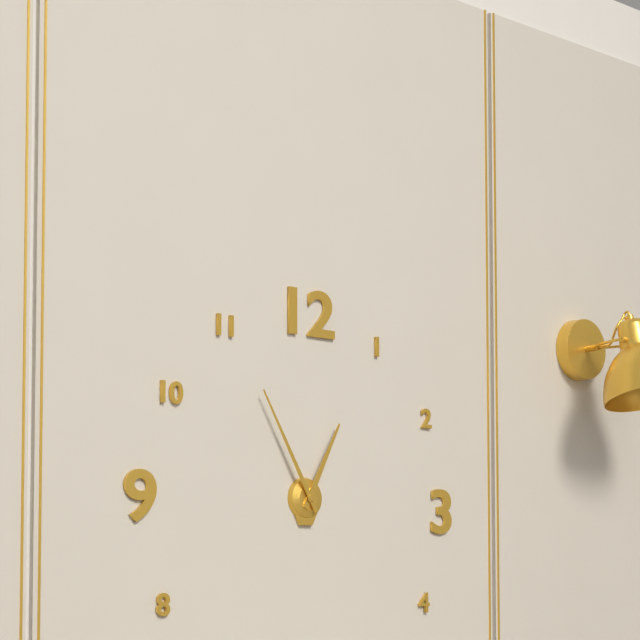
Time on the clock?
12:55
